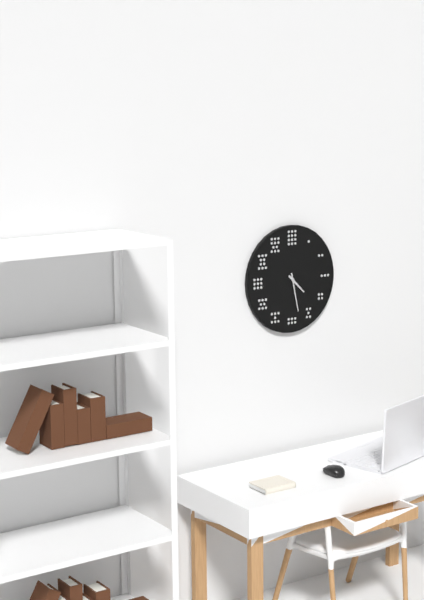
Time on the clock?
4:28
